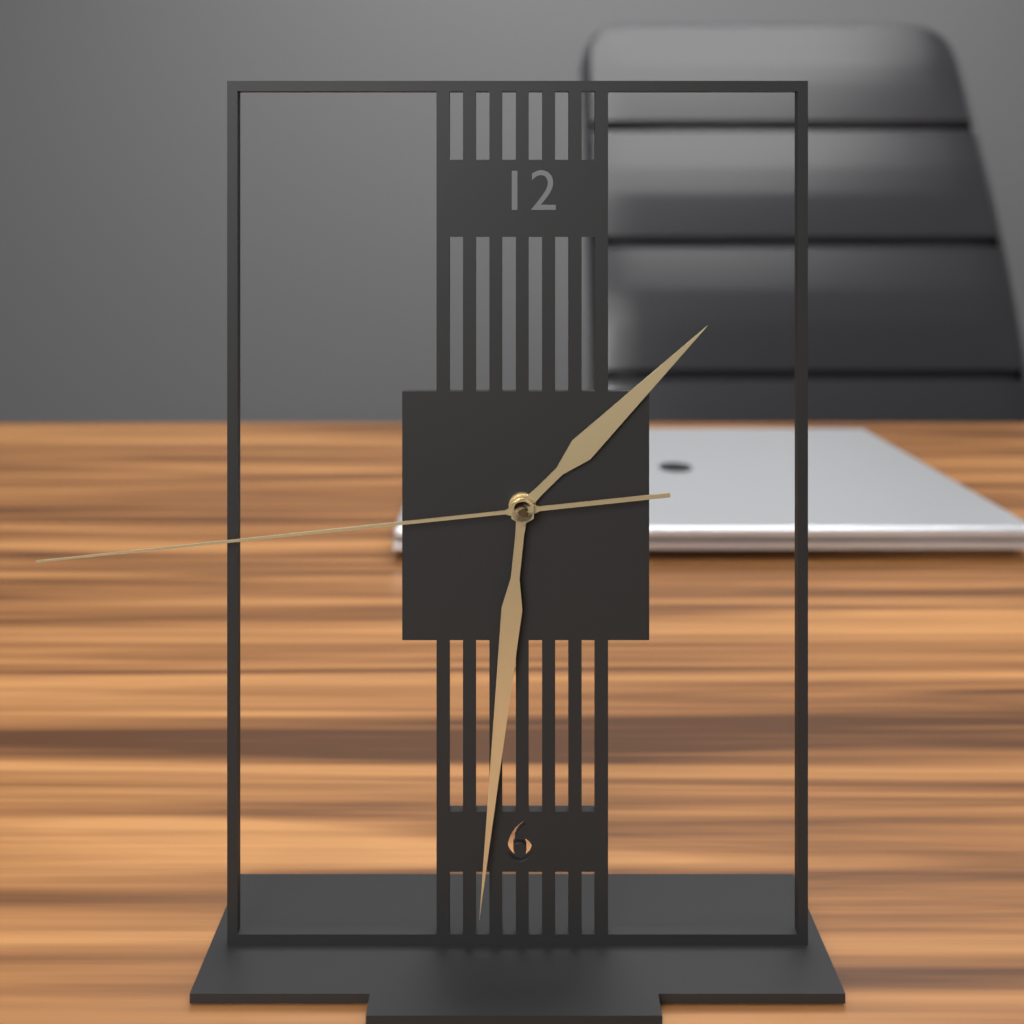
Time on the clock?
1:31:44
